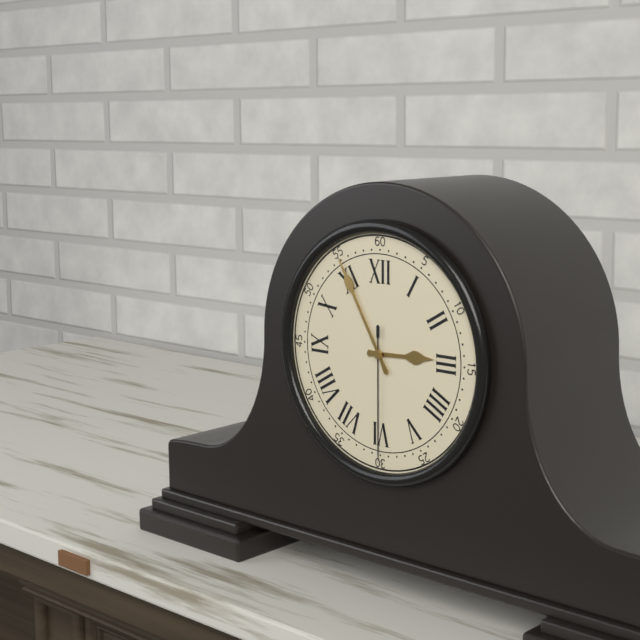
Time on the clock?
2:55:30
